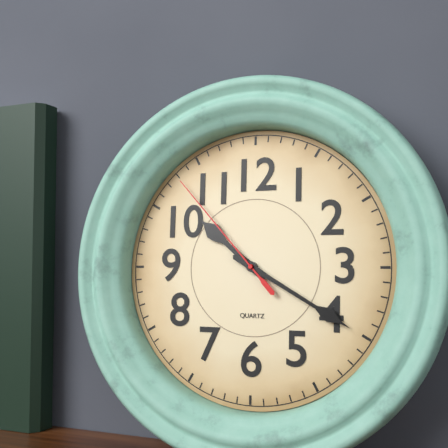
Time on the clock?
10:20:53
